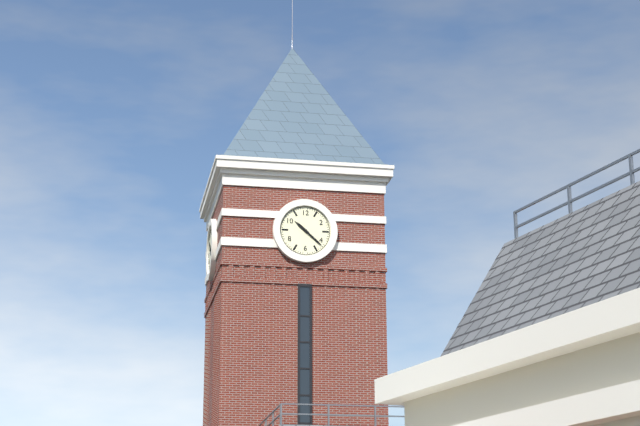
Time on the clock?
10:22
